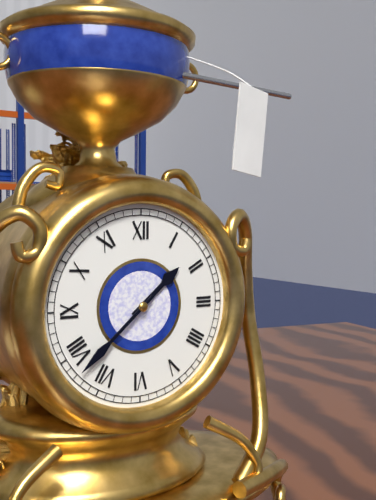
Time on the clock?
1:38
